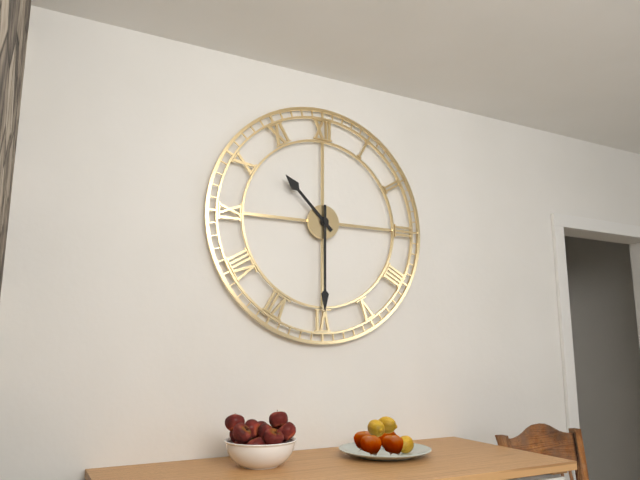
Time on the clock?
10:30
